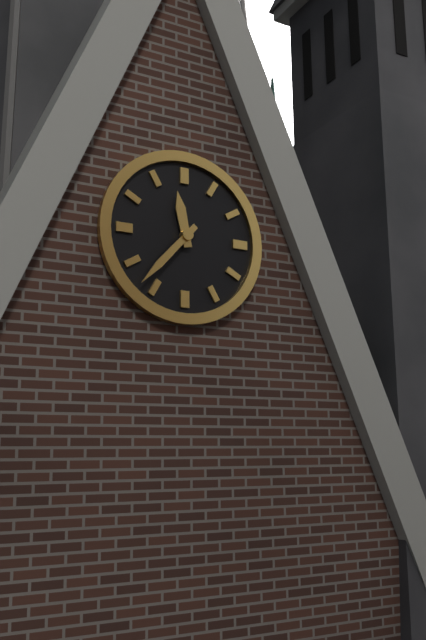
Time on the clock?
11:37
